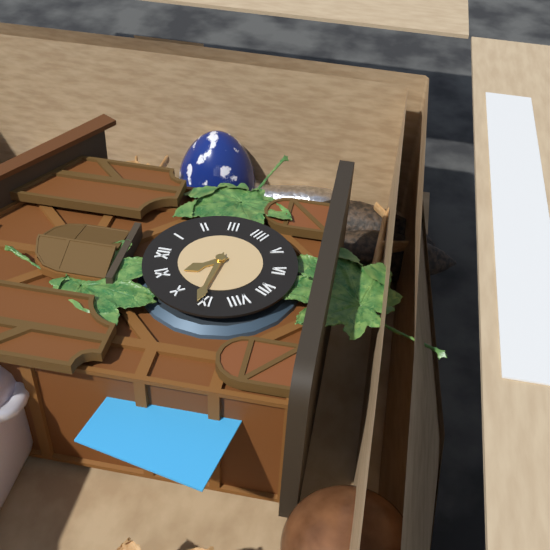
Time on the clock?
10:46
